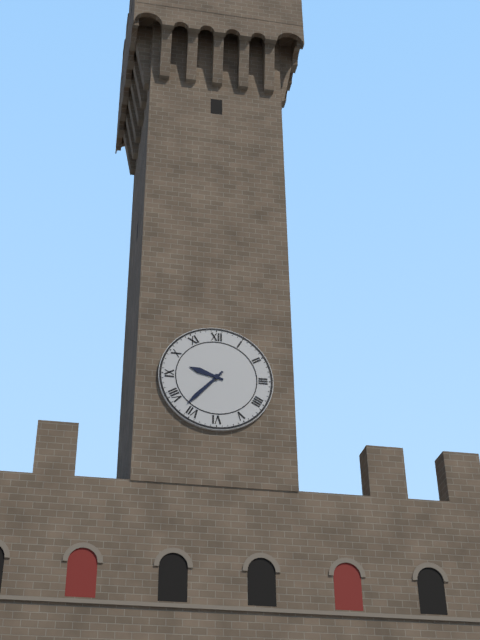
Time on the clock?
9:37
